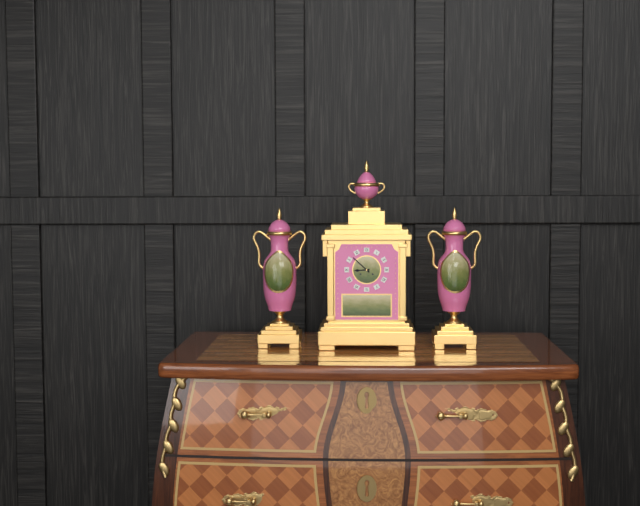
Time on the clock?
8:52
